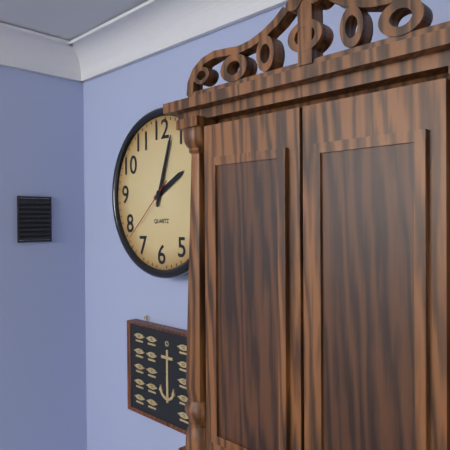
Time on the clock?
2:03:38
